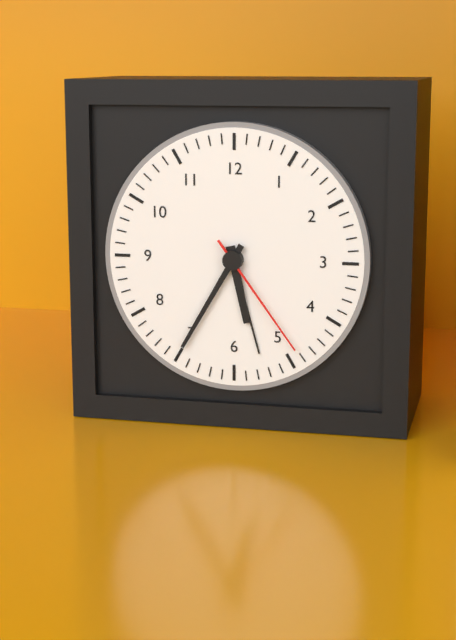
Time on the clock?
5:35:24
